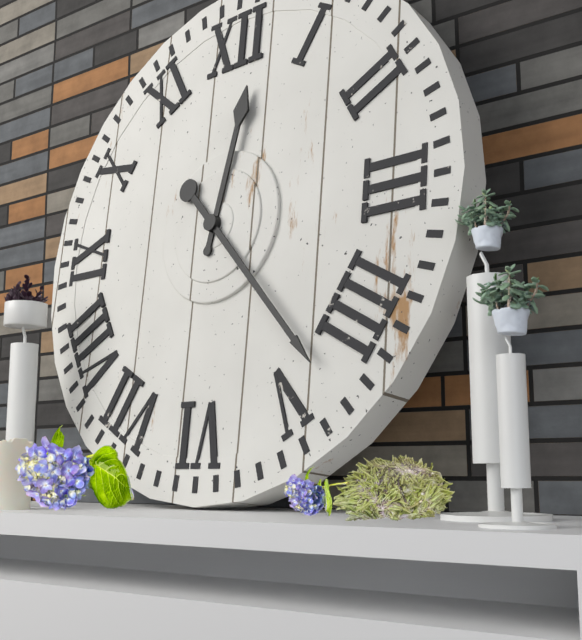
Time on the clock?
12:23
